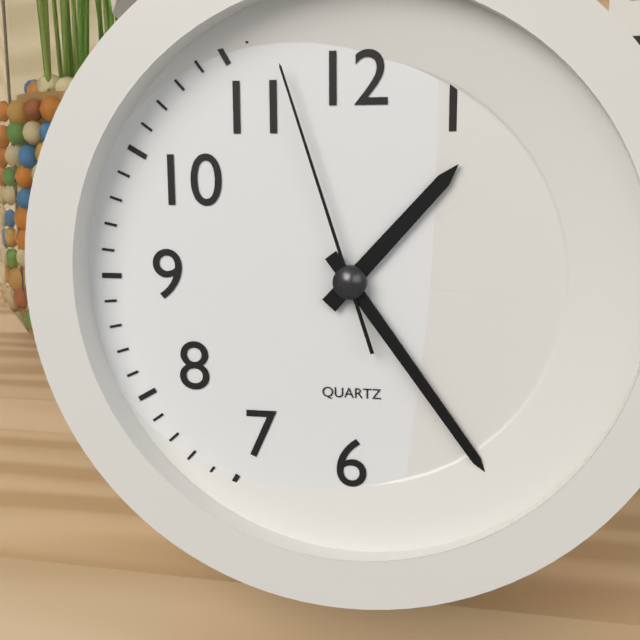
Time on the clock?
1:24:57
